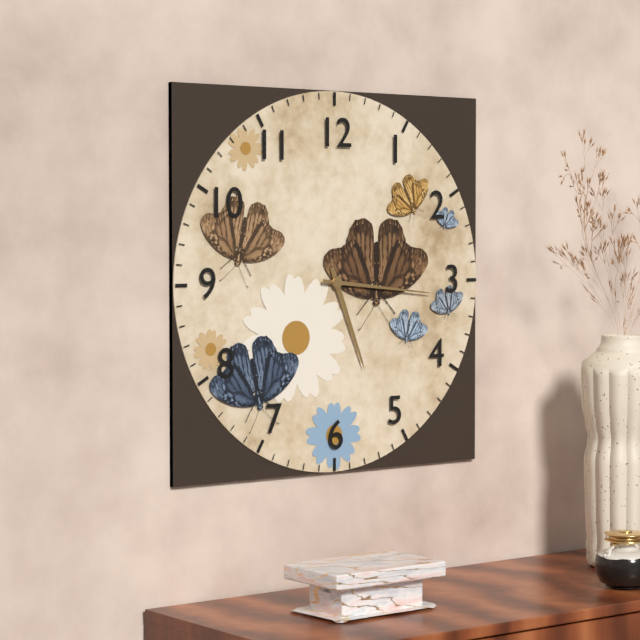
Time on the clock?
5:16
